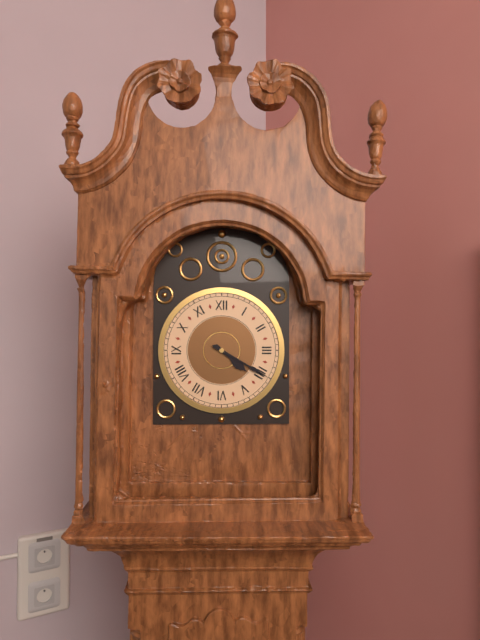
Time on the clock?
4:20
